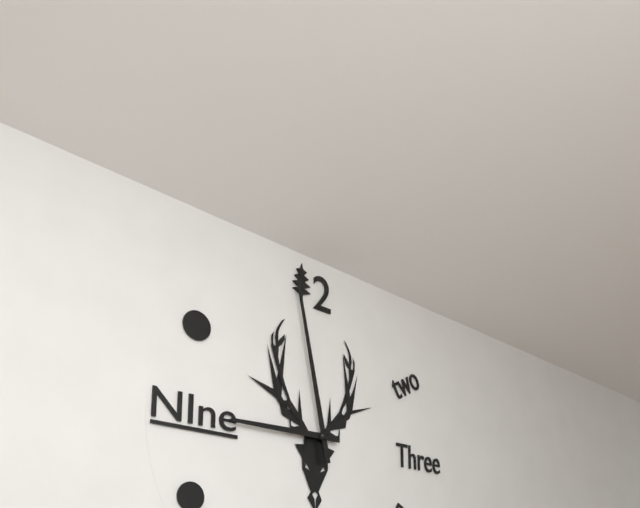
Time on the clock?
8:58
